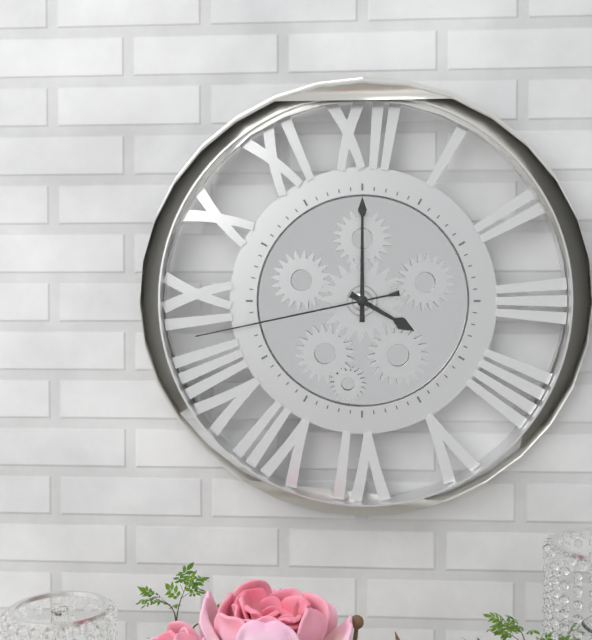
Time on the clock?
4:00:43
